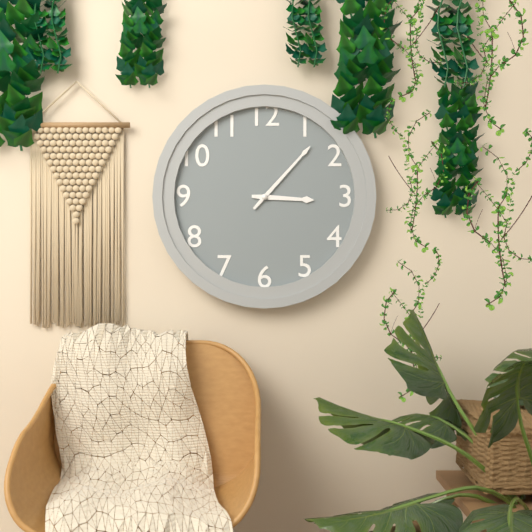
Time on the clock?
3:07
